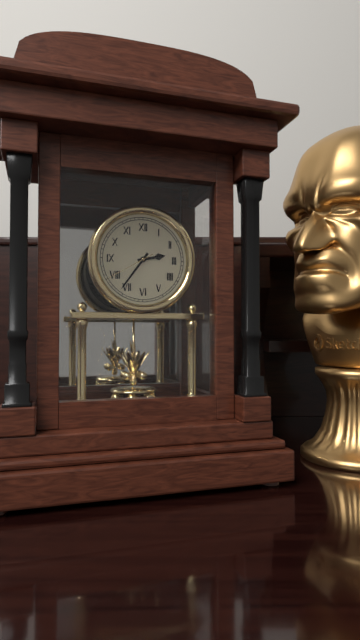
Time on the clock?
2:36:40
